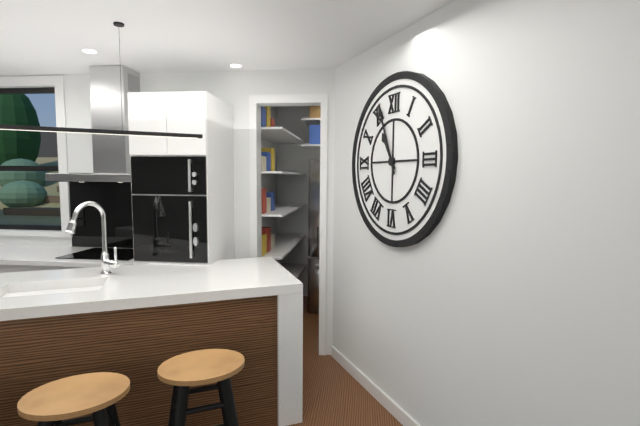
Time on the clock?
10:56
